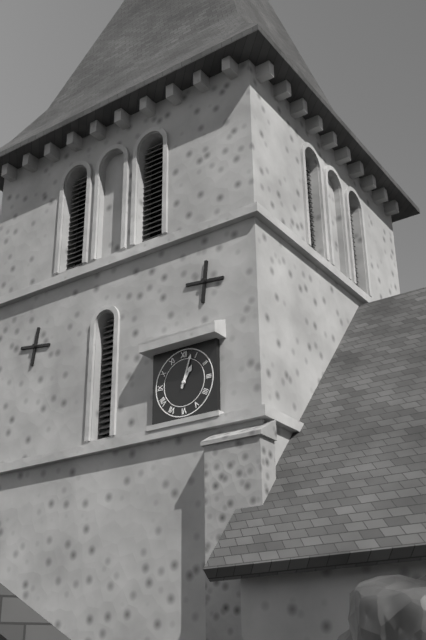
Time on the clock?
1:03
